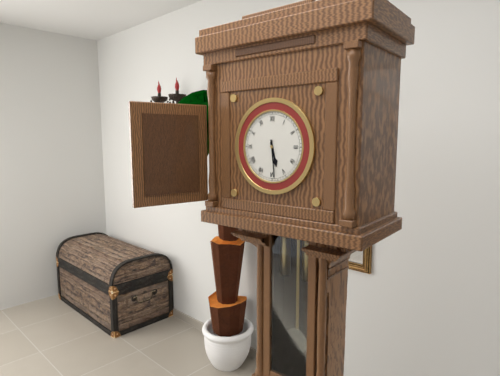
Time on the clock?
5:29
